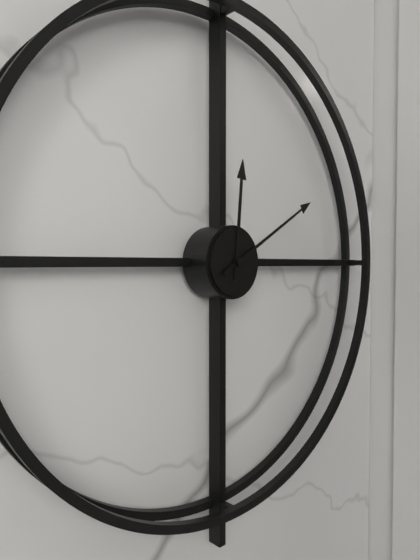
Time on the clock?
12:10
